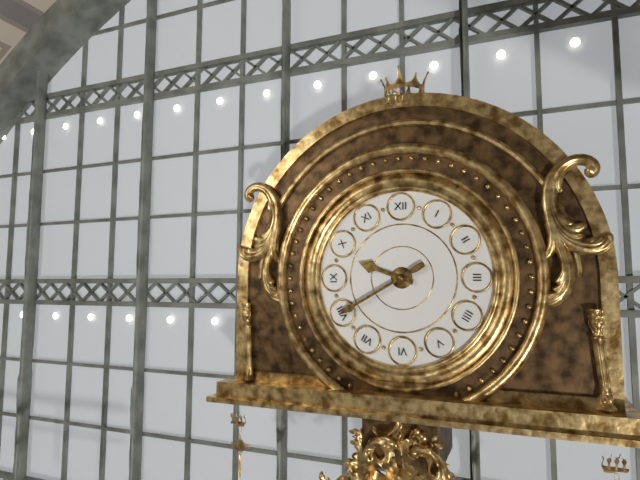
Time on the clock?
9:40
